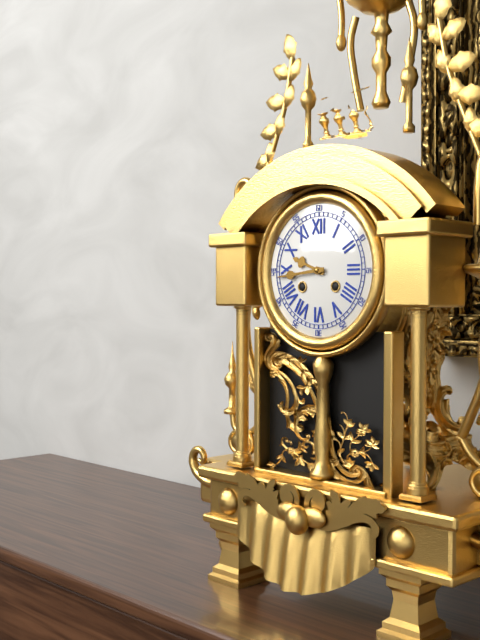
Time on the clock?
9:44
